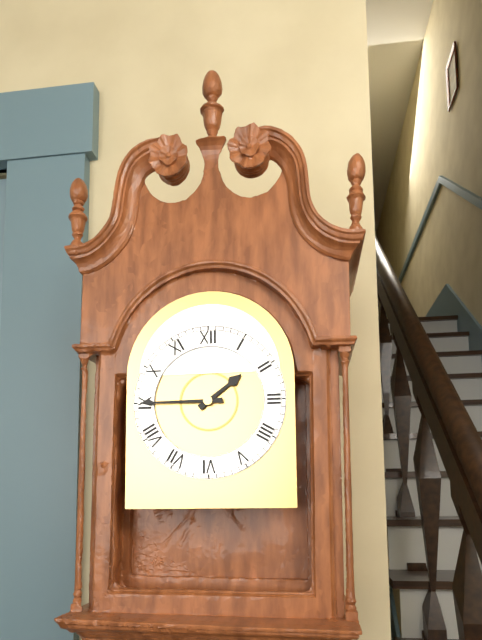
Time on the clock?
1:45
